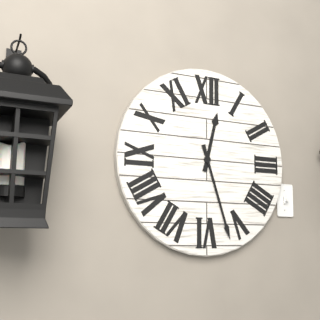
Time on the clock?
12:27
